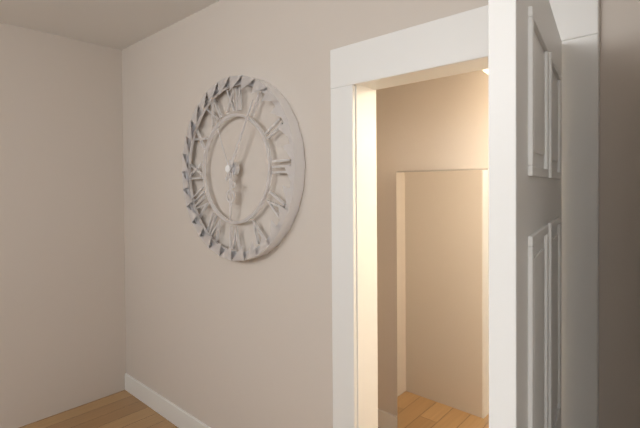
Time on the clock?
6:05:56
